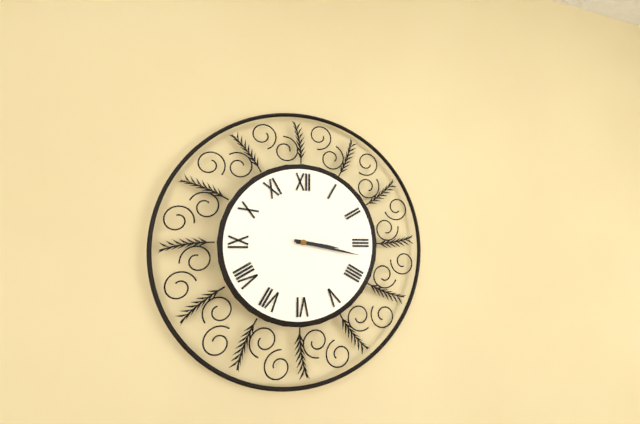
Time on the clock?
3:17
